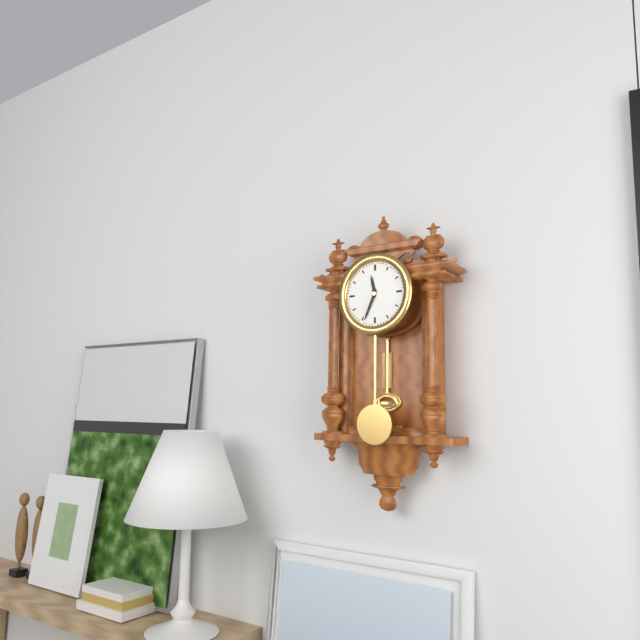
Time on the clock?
11:34
